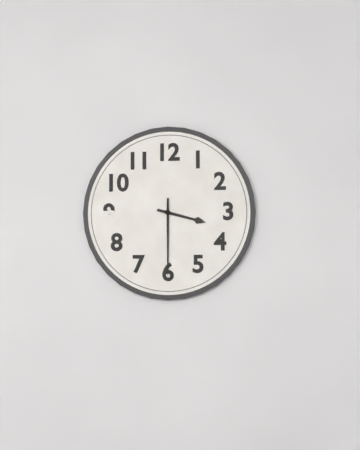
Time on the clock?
3:30
